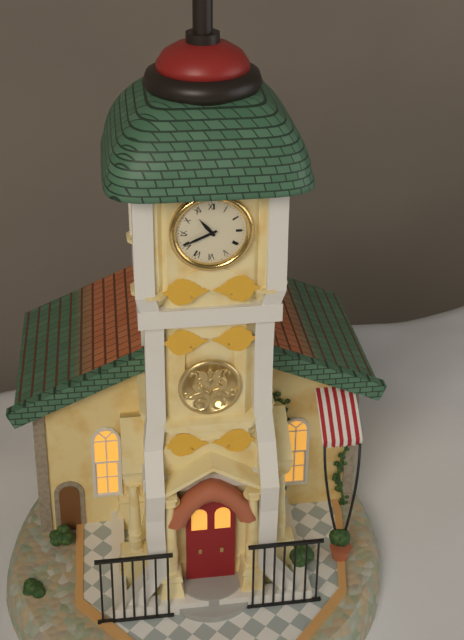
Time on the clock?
10:41
